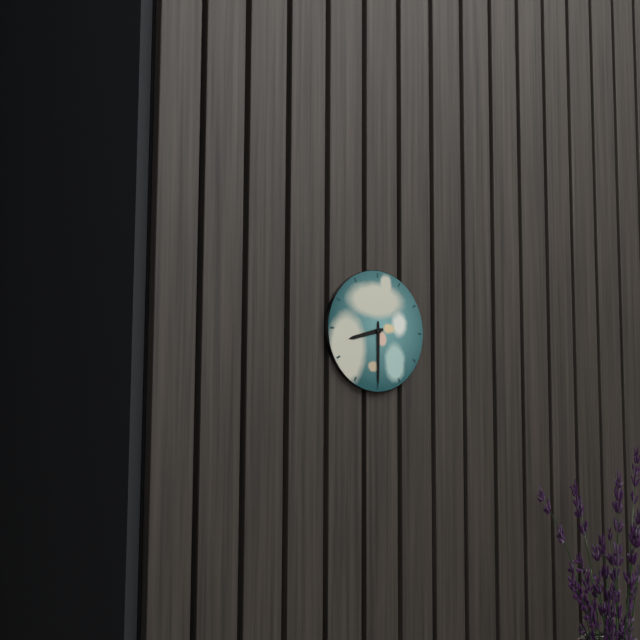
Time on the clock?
8:30
